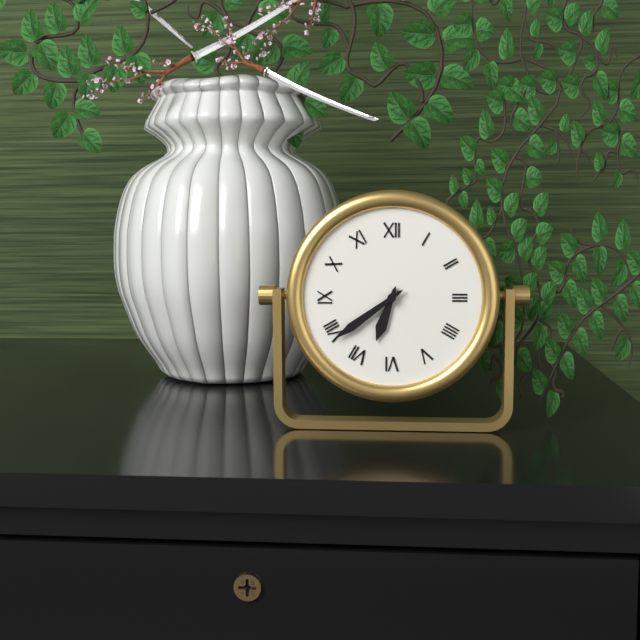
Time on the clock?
6:39
